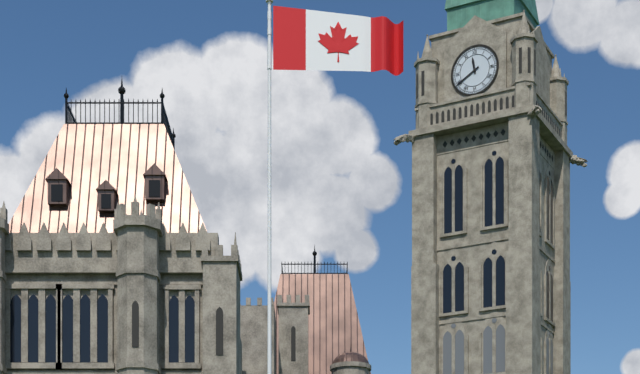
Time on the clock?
11:40
